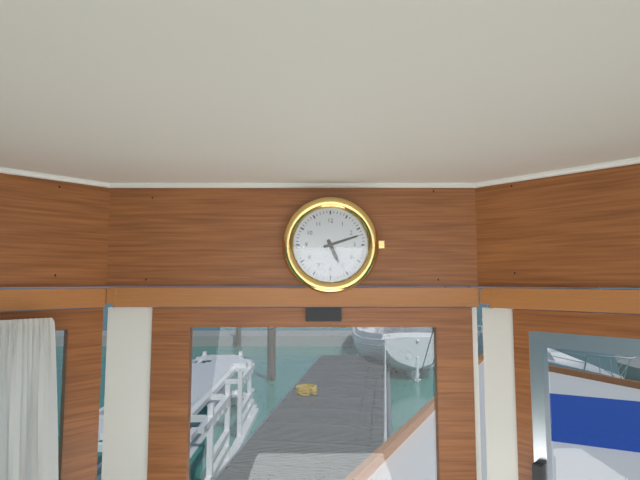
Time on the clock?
5:12
